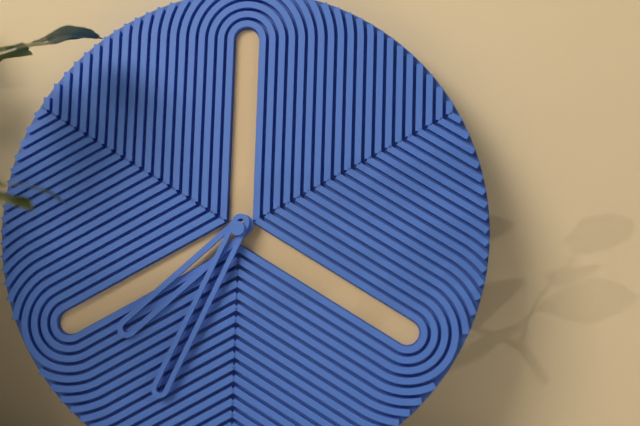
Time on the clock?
7:34
